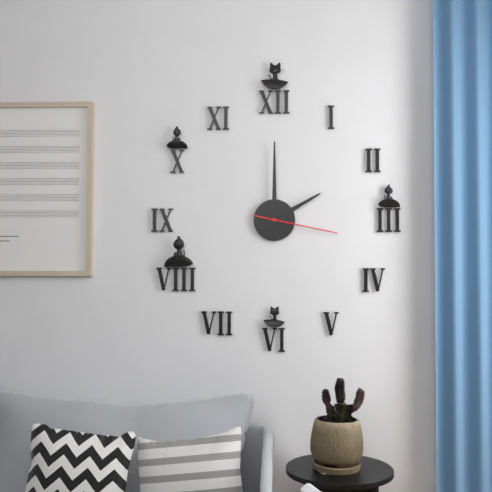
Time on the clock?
2:00:17
